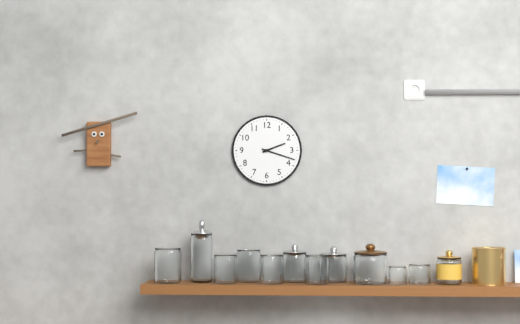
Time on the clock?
2:18
